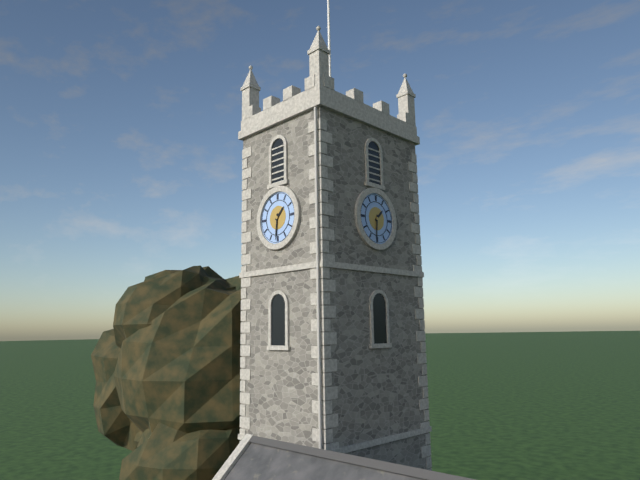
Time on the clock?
1:31
